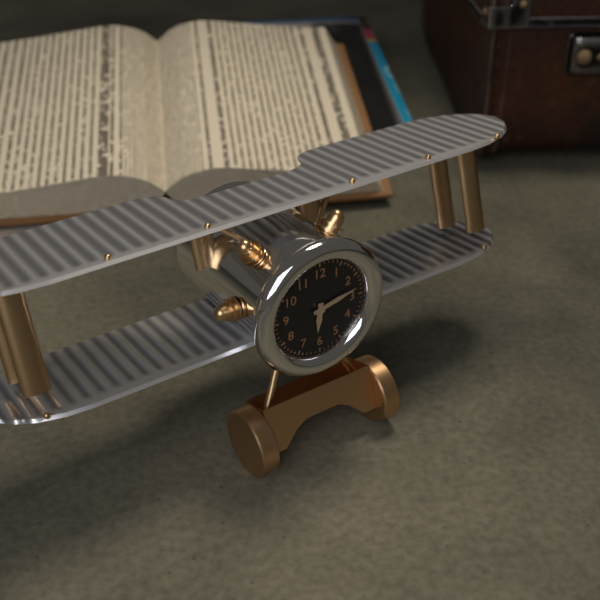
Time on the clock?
6:13
